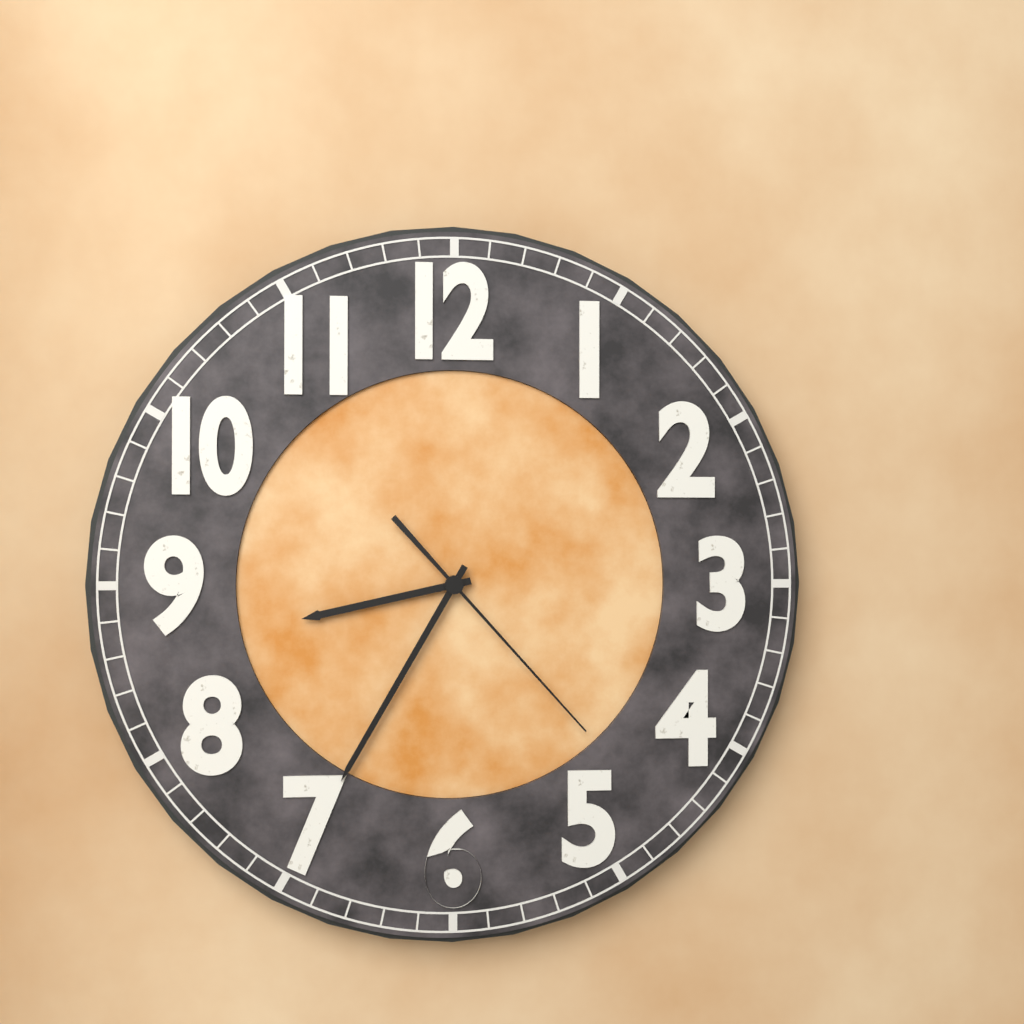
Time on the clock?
8:35:23
